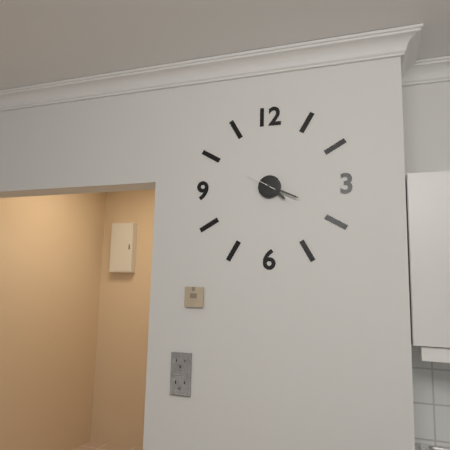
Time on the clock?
4:19
